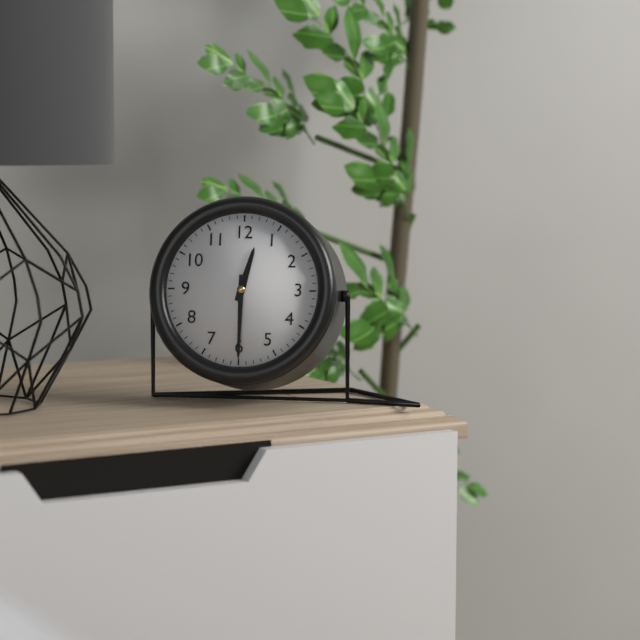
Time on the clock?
12:30
